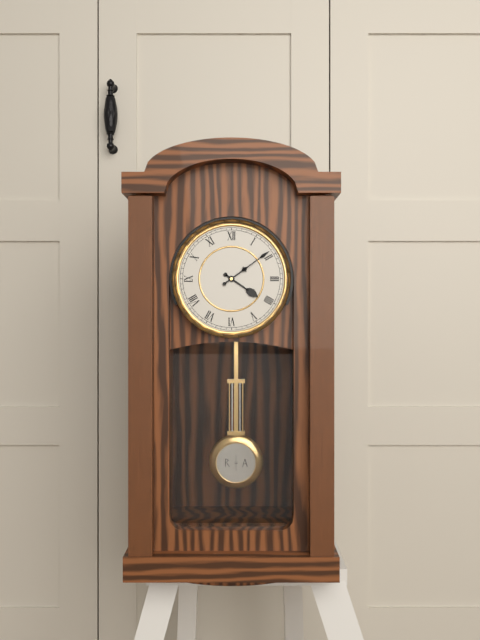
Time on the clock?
4:09
